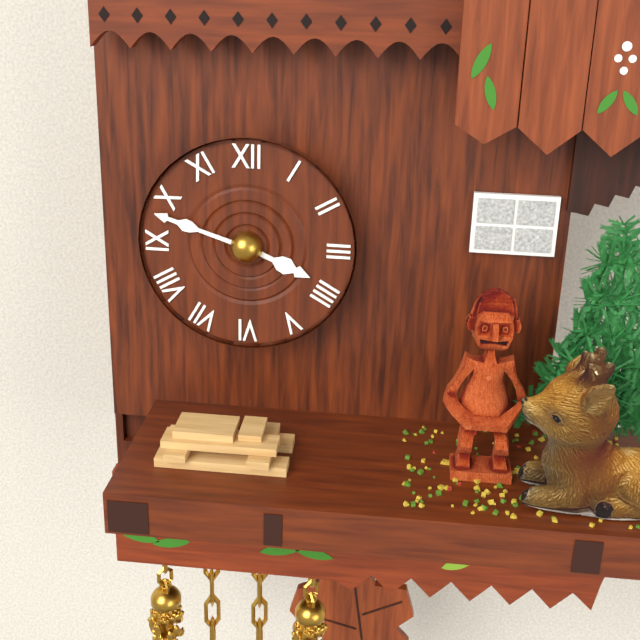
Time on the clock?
3:48
